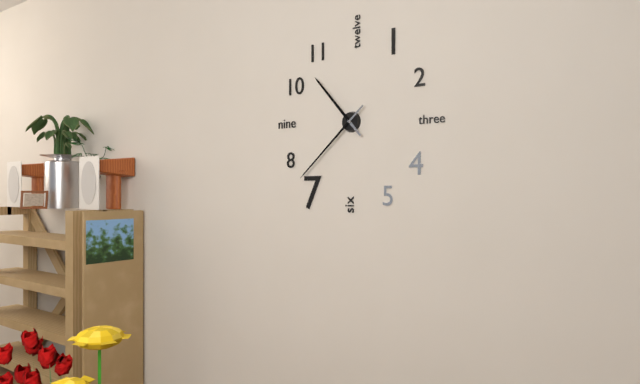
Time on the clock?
10:38
